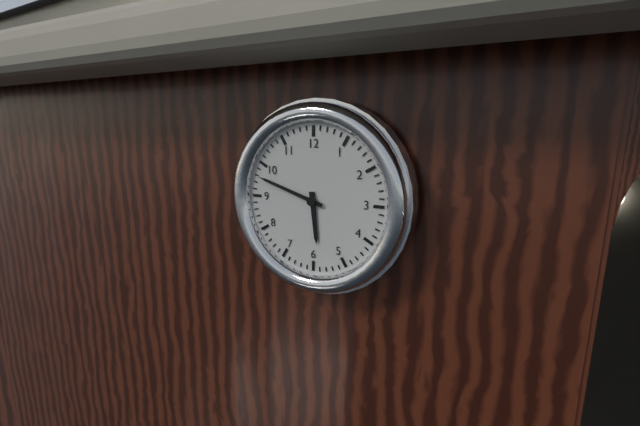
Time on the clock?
5:48
